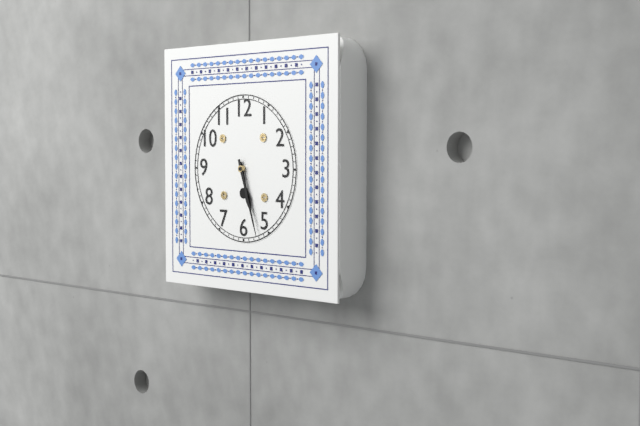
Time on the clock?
5:27
